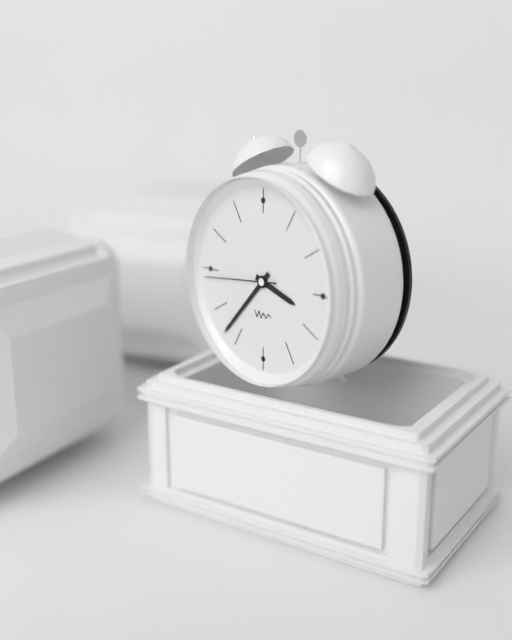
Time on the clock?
3:37:44
